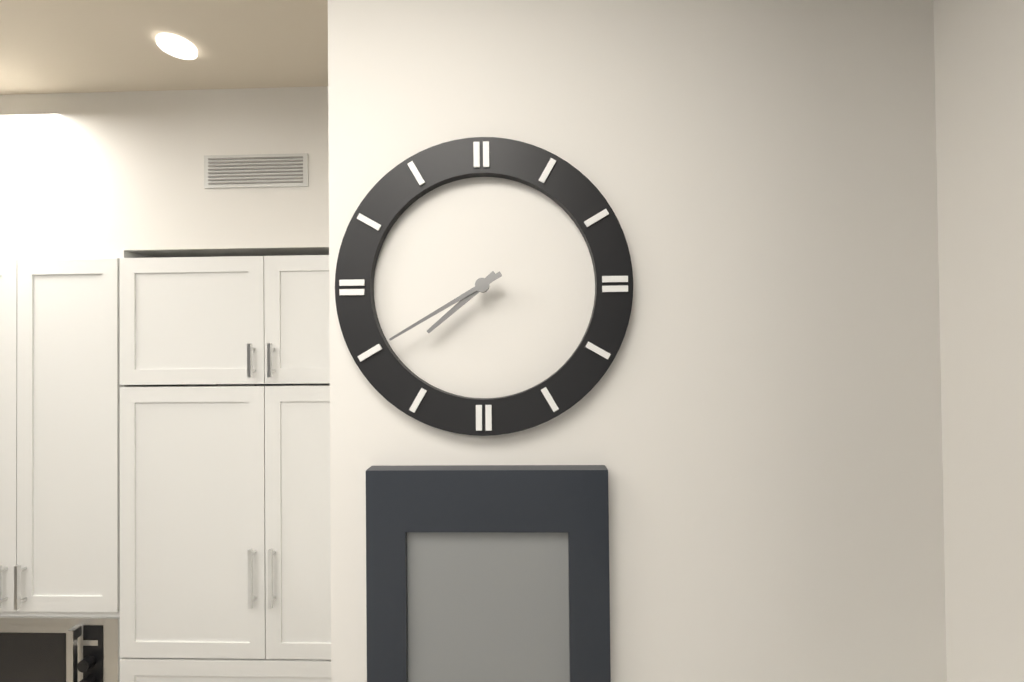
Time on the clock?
7:40
